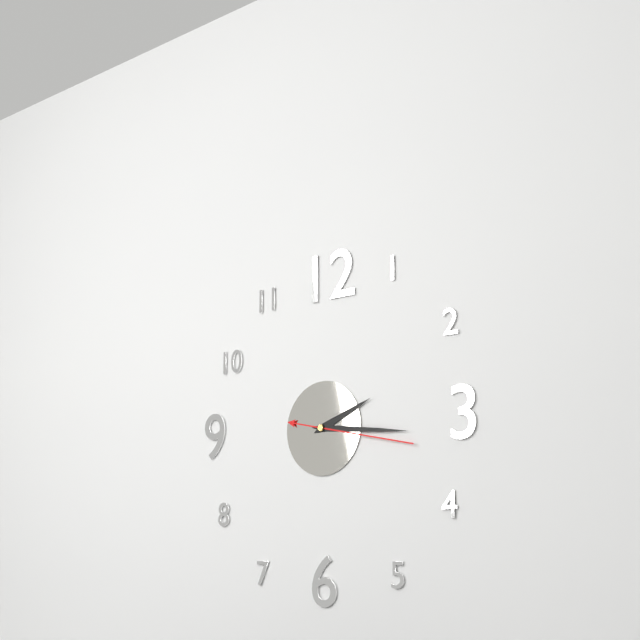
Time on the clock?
2:16:17
